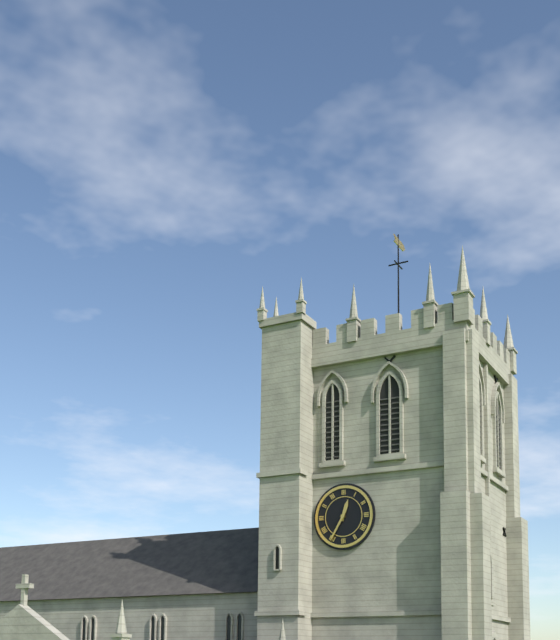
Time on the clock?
12:35
